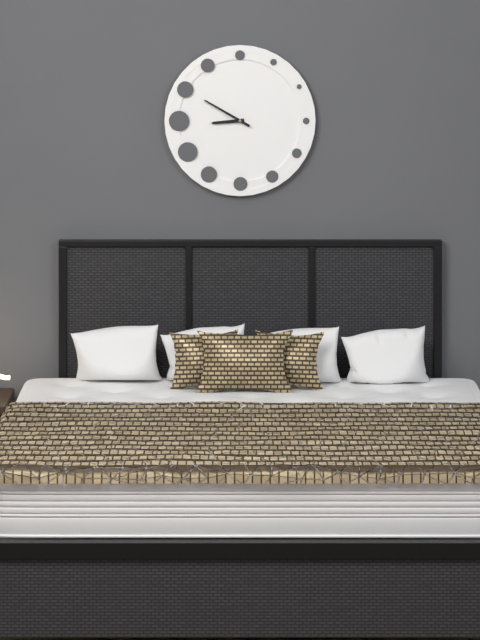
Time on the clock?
8:50
